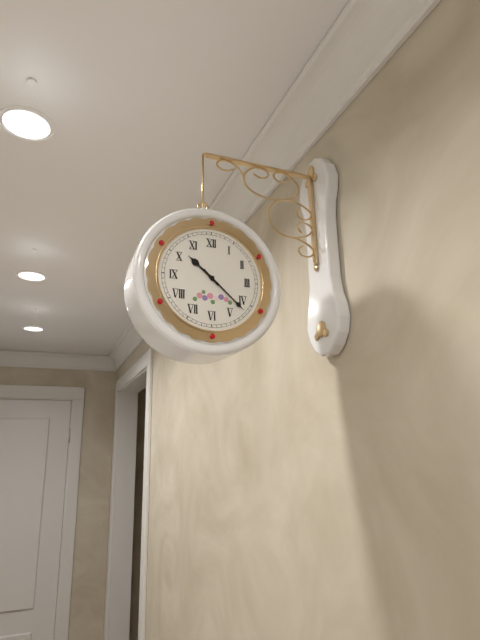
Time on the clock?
10:22
